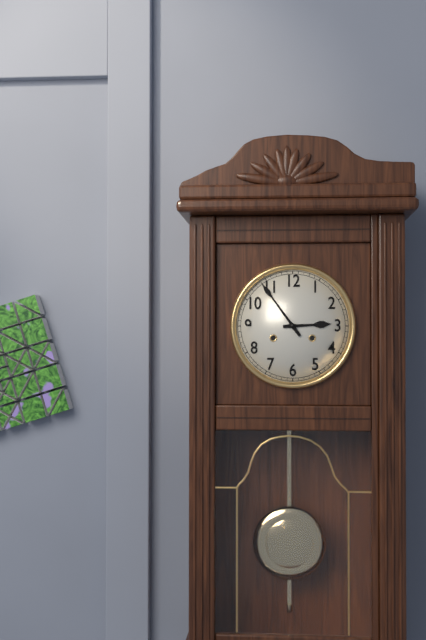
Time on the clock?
2:54
